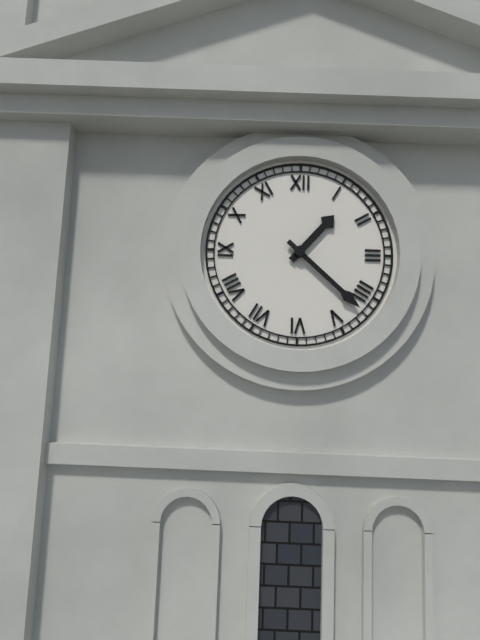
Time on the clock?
1:22
